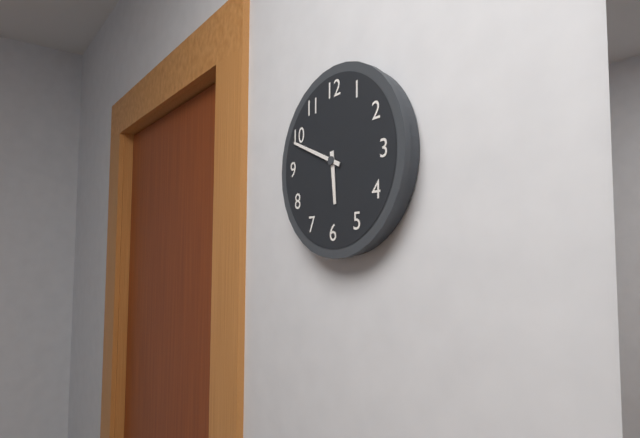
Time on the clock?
5:49
